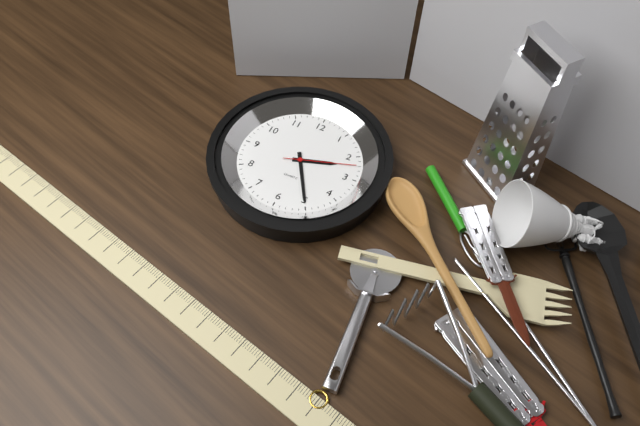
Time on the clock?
2:25:12
